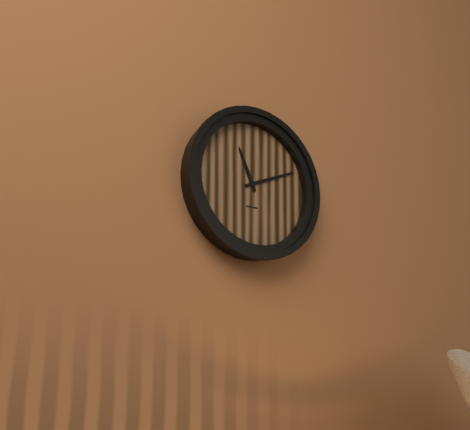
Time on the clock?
11:11
